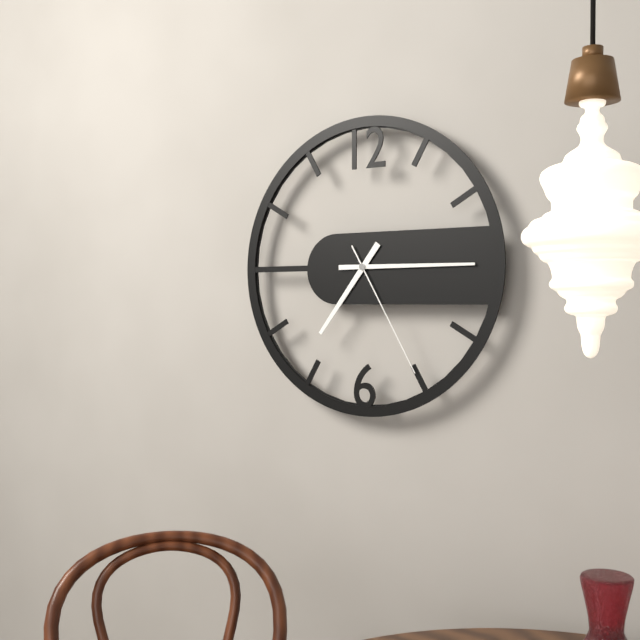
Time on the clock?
7:15:25
